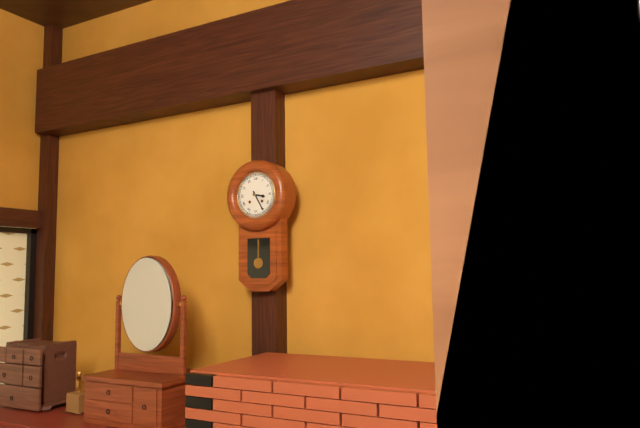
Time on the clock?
3:25
